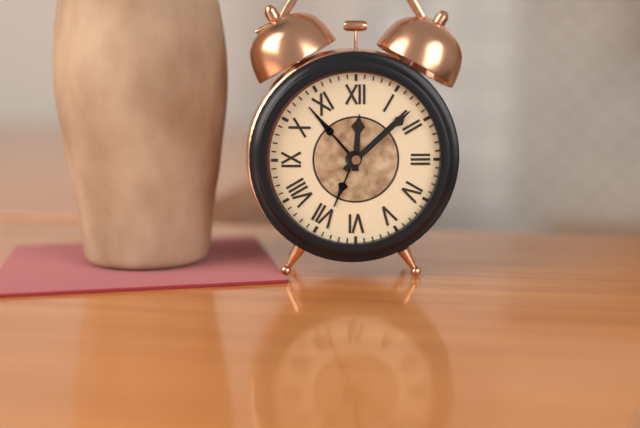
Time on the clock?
12:08
